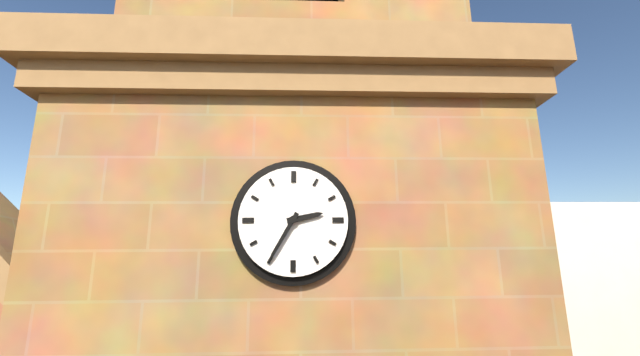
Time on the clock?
2:35
